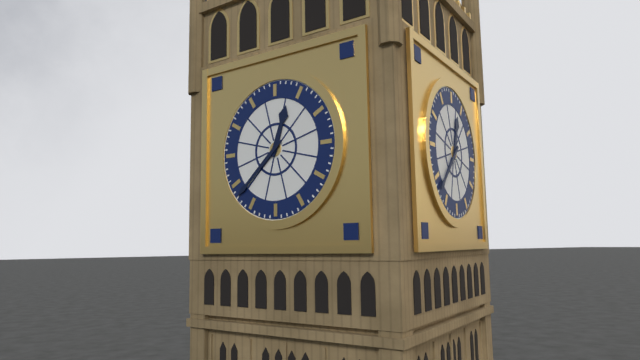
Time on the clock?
12:38
